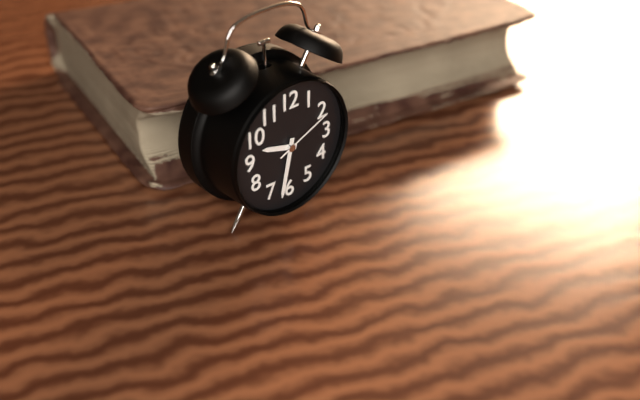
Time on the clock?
9:32:11
